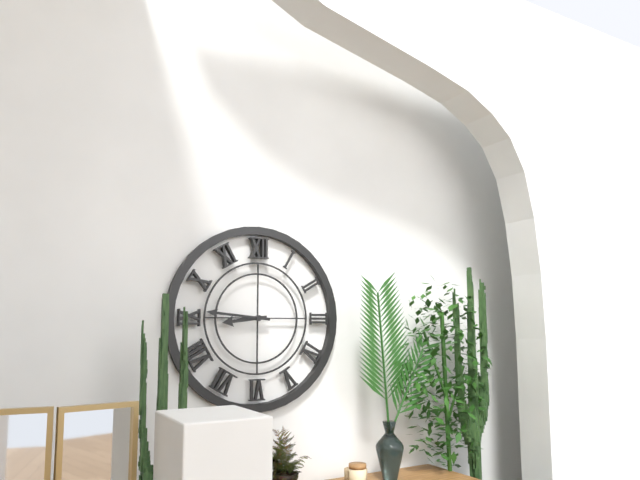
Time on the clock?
8:46
